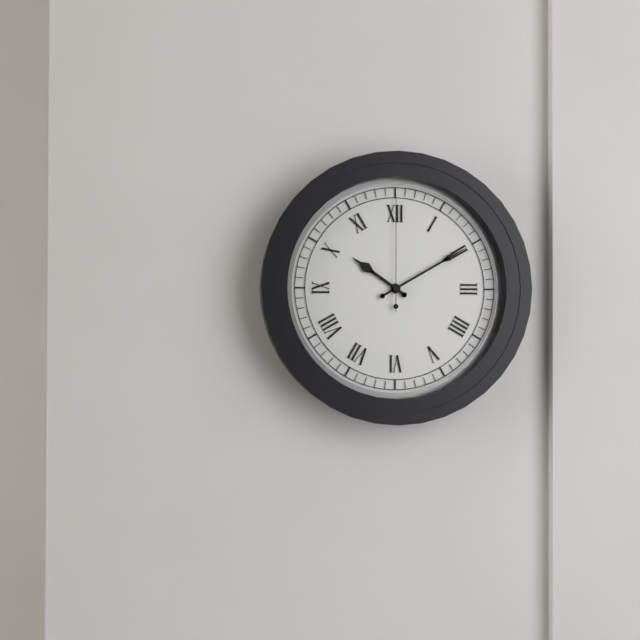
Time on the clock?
10:10:00
